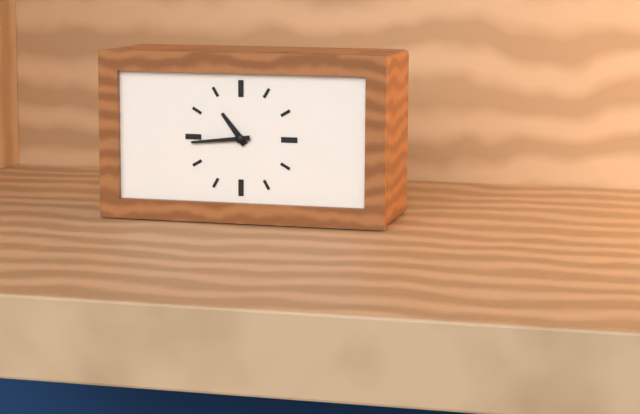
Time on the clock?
10:44
